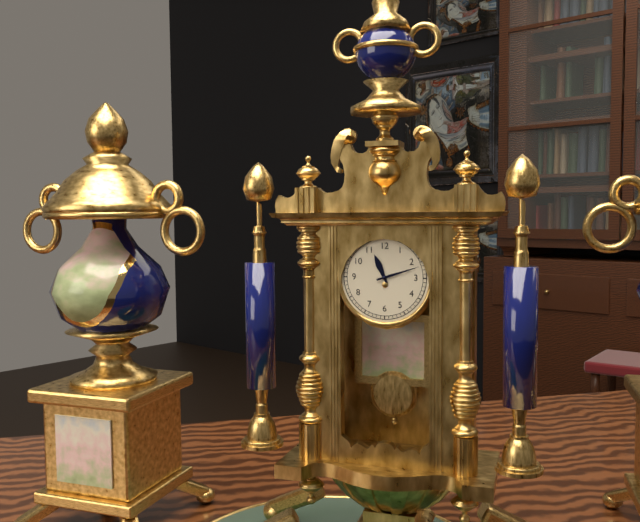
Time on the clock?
11:12
